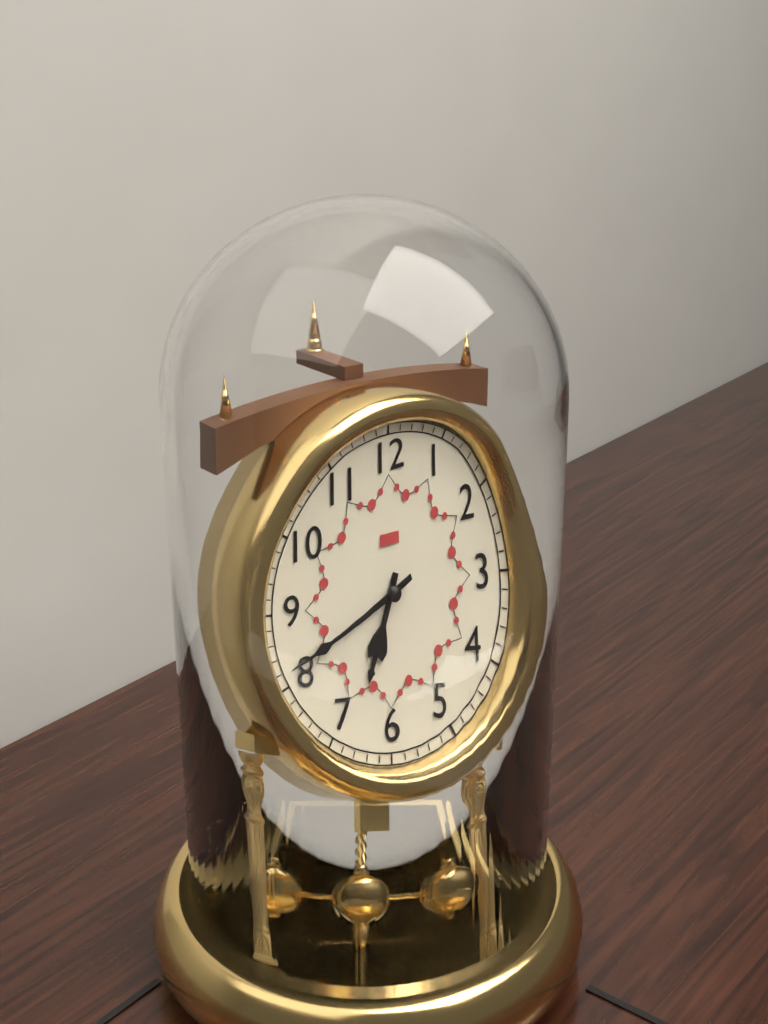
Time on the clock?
6:41
